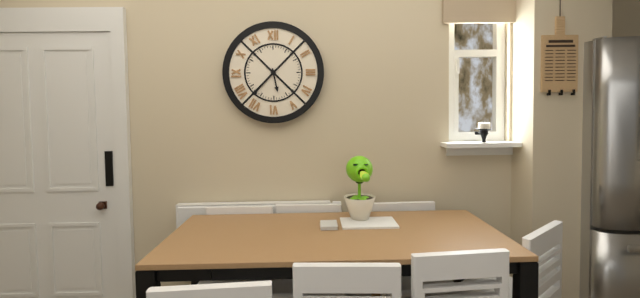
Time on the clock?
5:37
